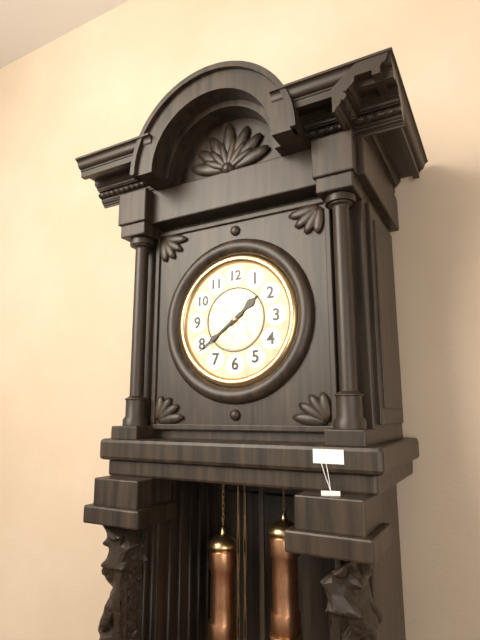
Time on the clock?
1:39
